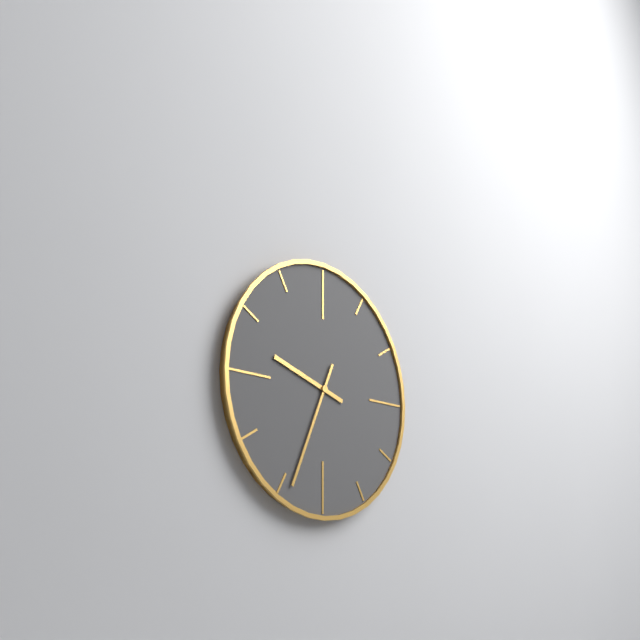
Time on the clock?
9:34
